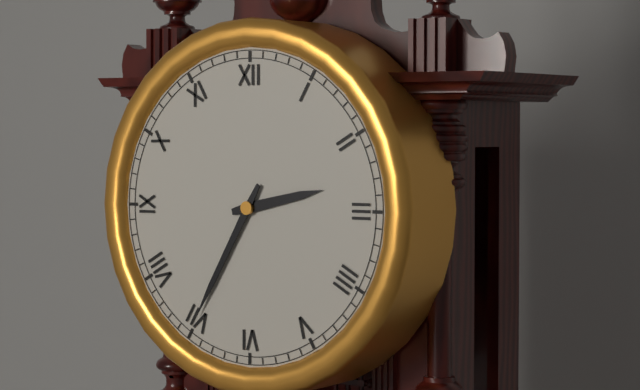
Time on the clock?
2:35
